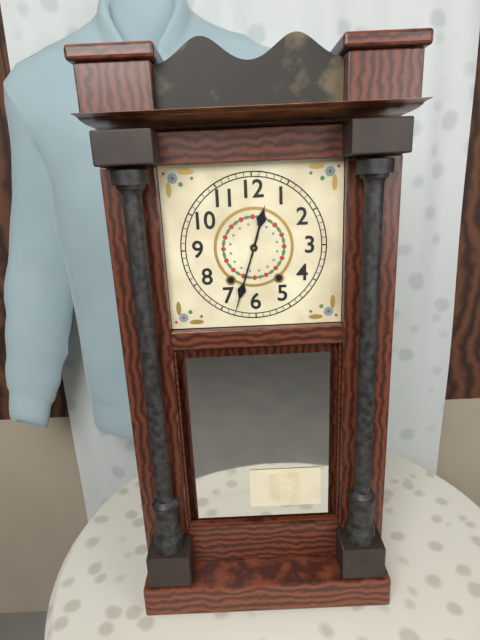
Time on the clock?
12:33
